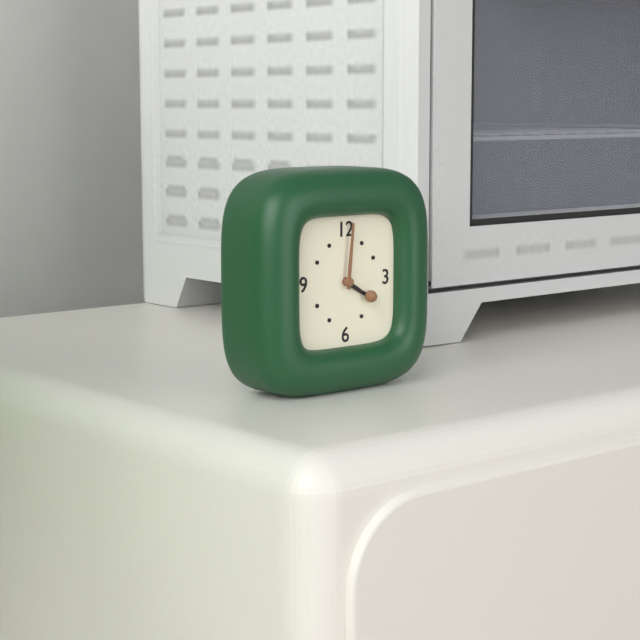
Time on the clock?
4:01
